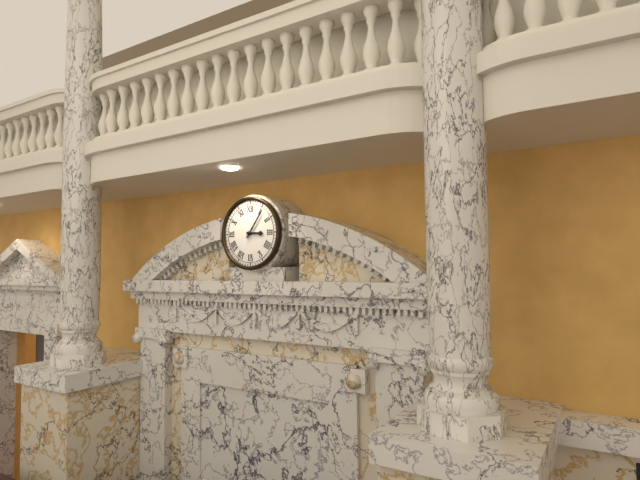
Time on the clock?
3:06
